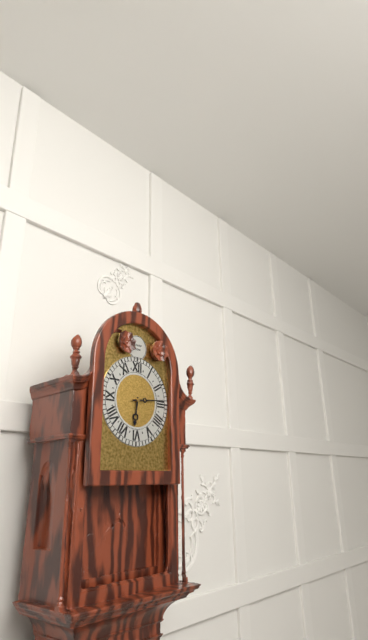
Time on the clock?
6:14
